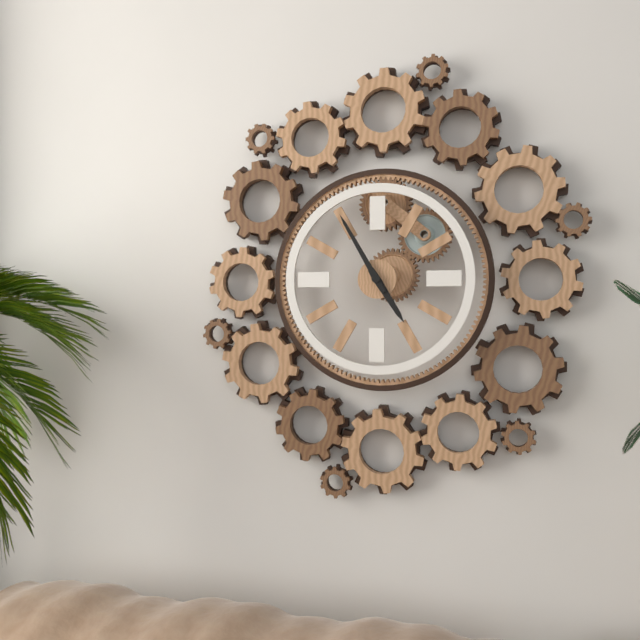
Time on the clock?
4:55
